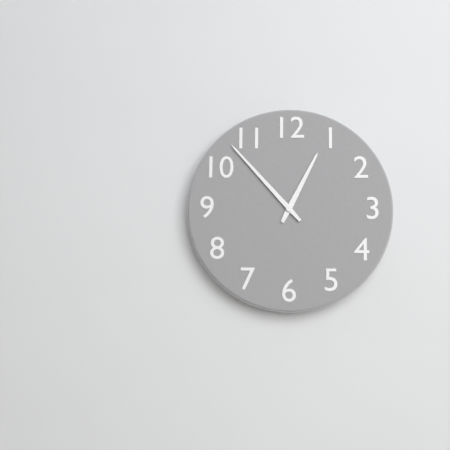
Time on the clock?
12:53
